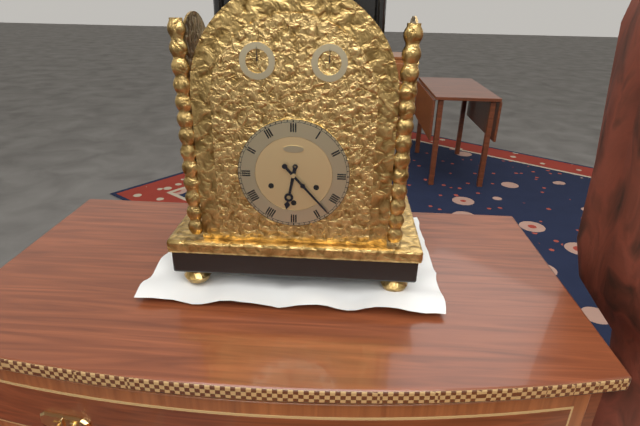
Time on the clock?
6:23
